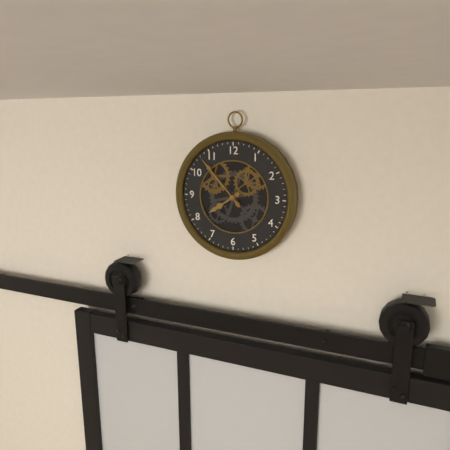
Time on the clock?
7:53
